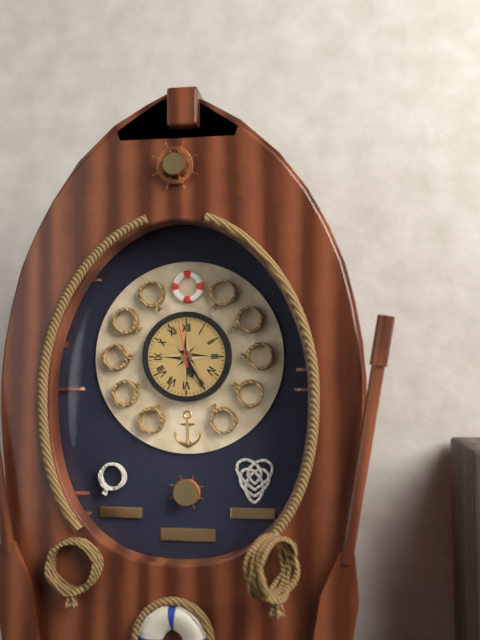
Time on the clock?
5:25
